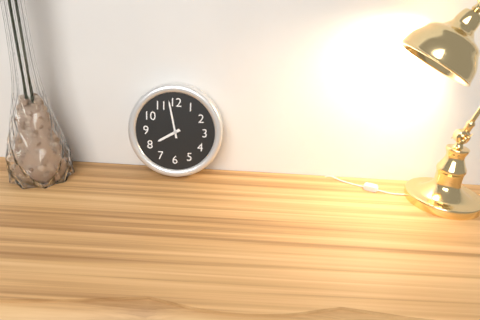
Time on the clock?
7:58
